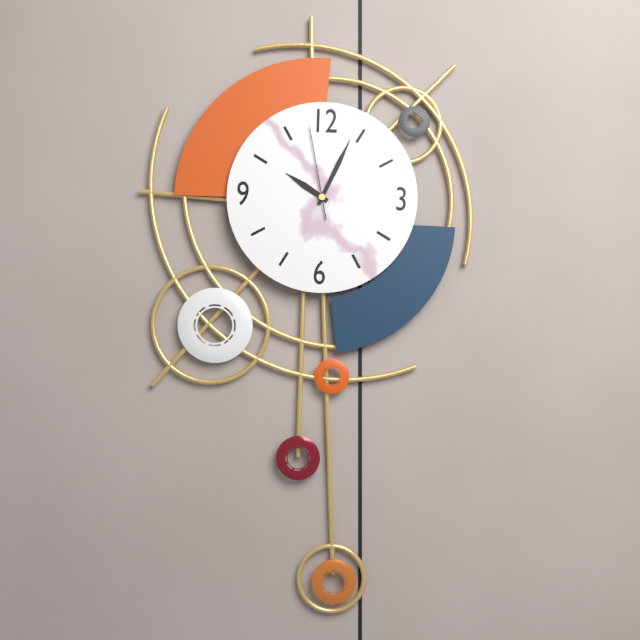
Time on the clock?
10:04:58
